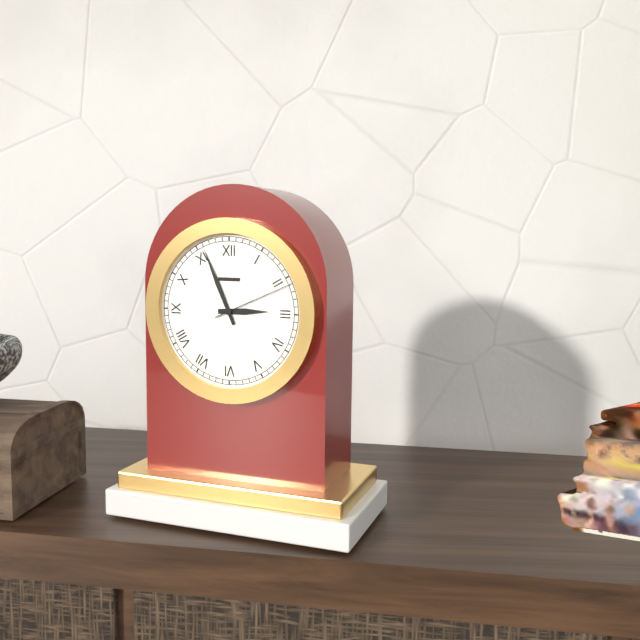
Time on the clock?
2:56:11
